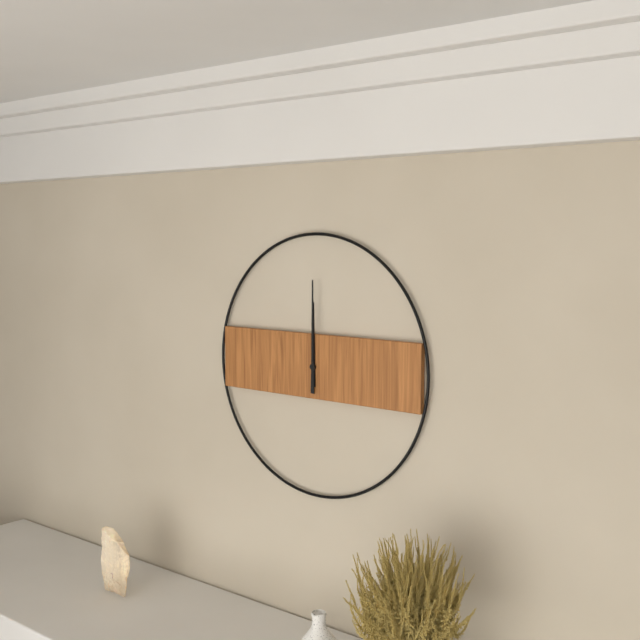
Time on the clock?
12:00
